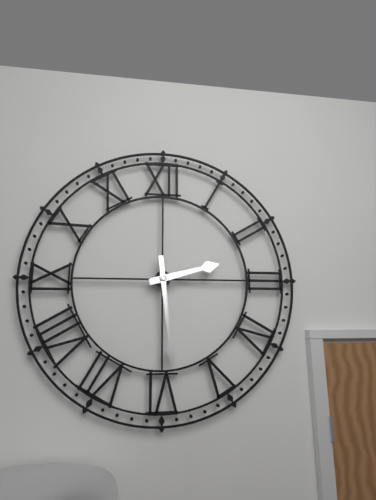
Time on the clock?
2:29
